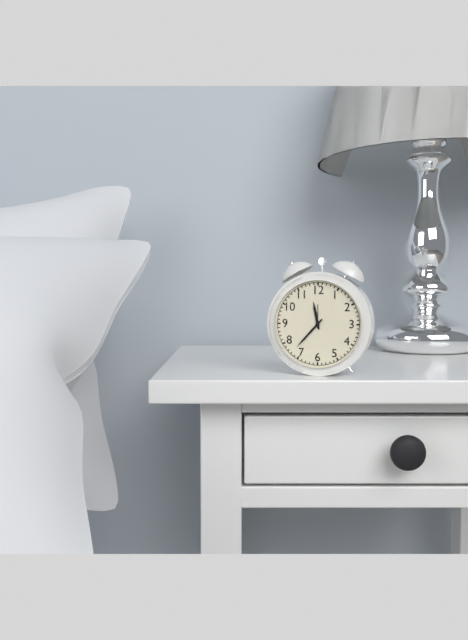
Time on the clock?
11:37
